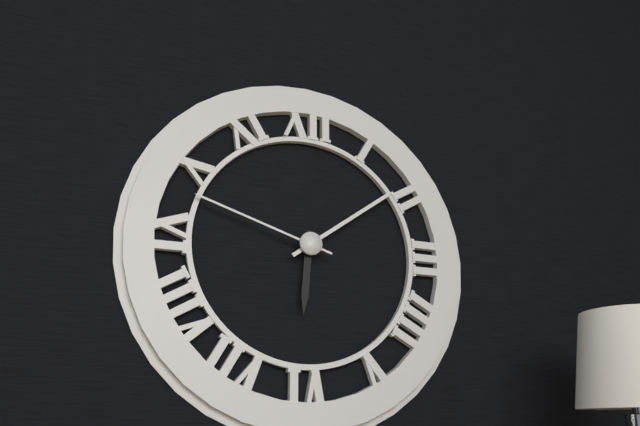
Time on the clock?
6:09:48
